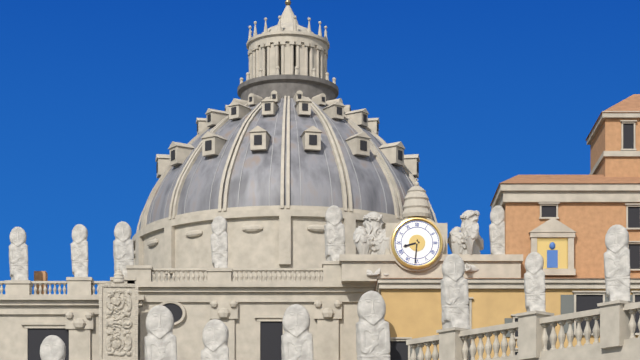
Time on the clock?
8:31
